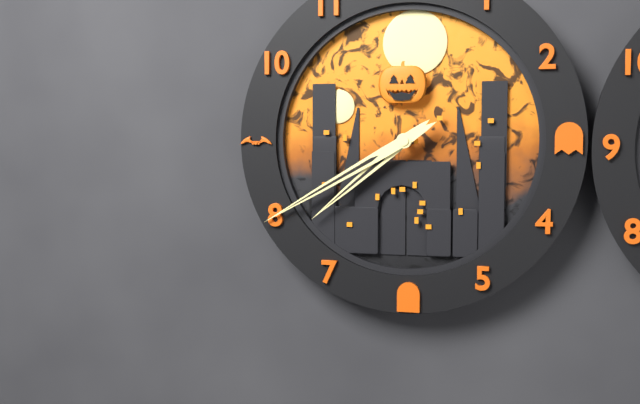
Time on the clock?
7:40
